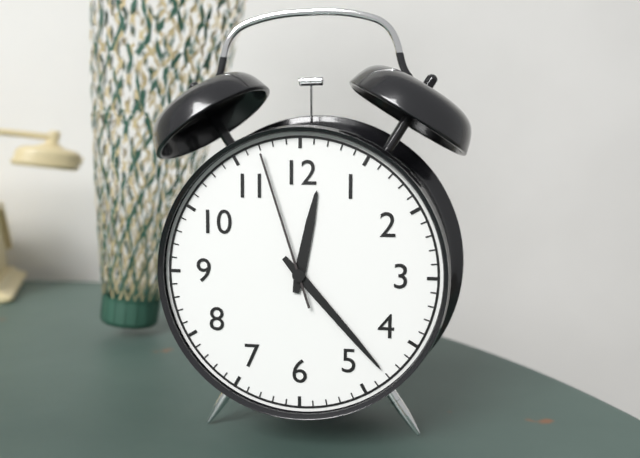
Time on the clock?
12:23:57
